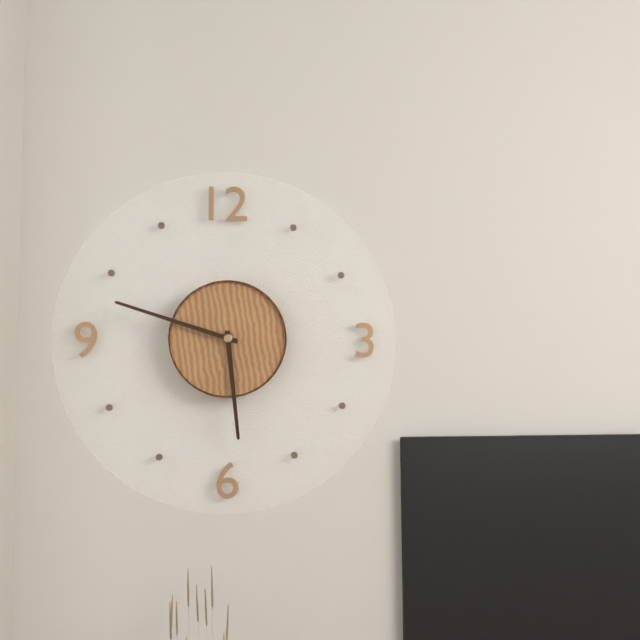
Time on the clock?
5:48
